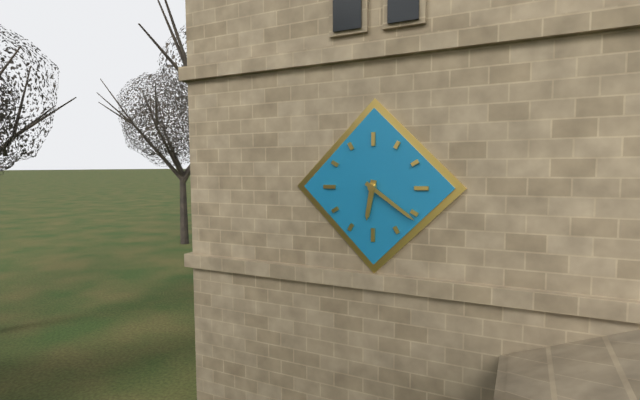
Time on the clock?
6:21
